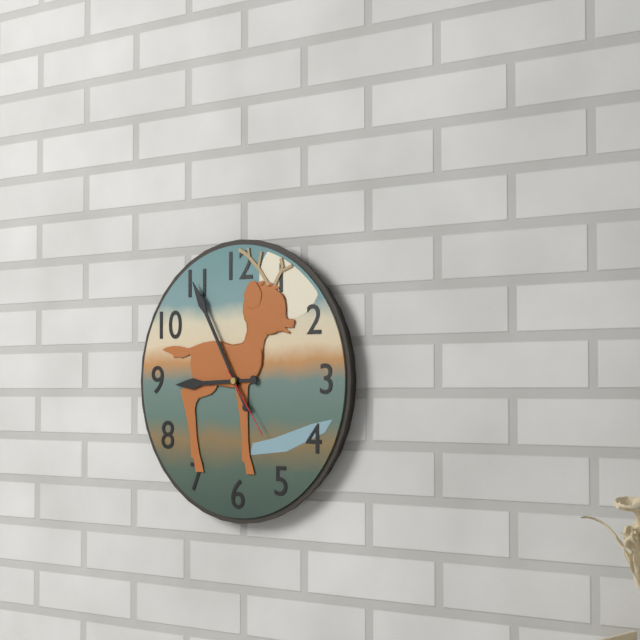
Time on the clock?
8:55:24
